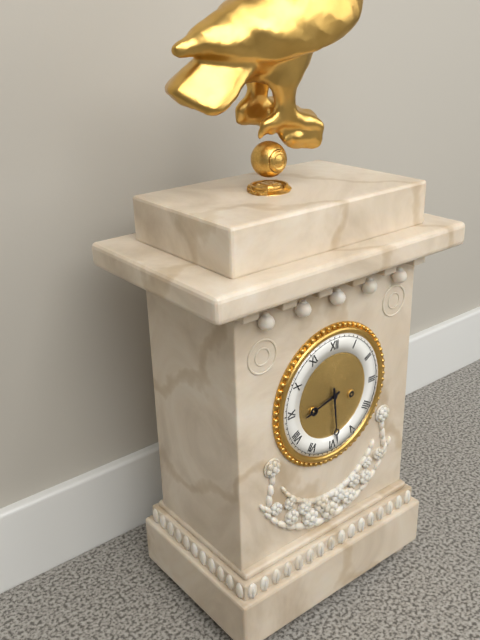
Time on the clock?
8:29
